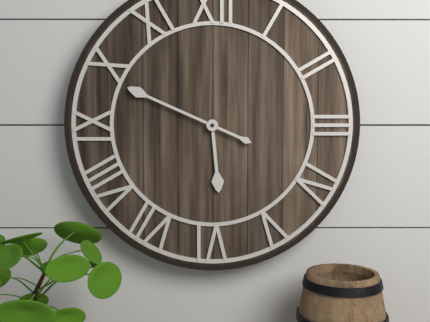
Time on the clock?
5:49
